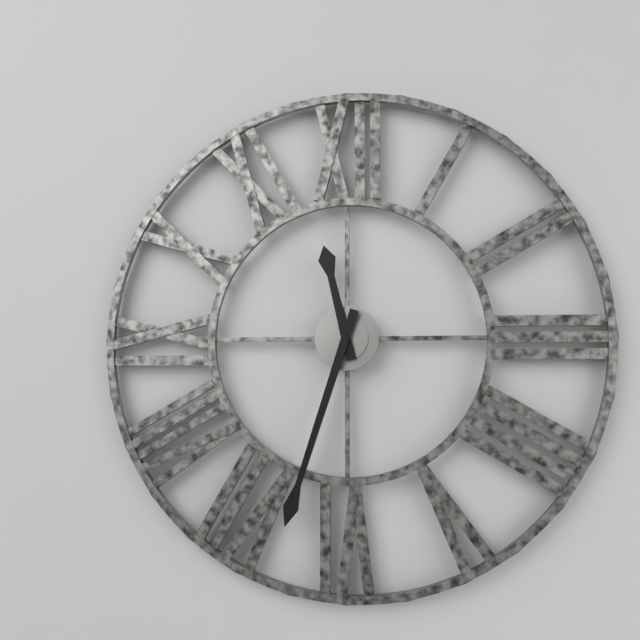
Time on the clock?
11:33
